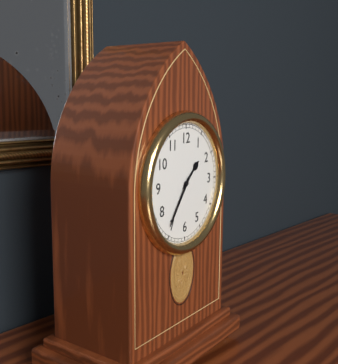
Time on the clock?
1:36
